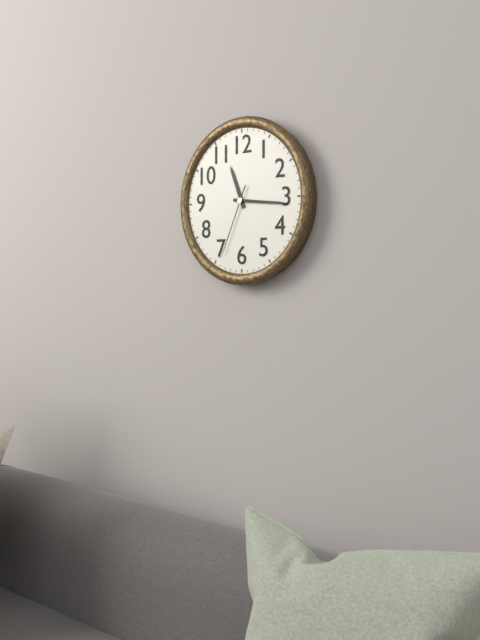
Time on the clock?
11:16:34
